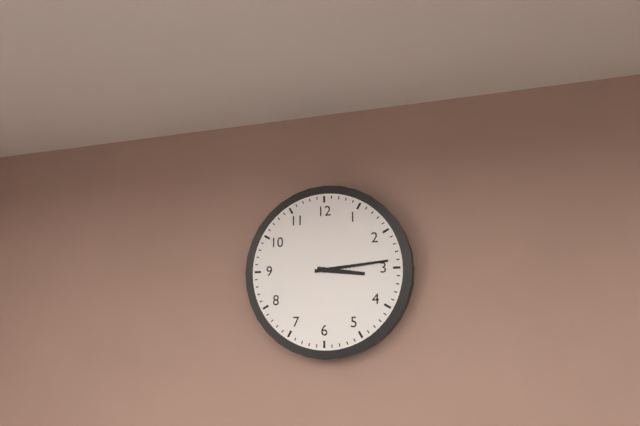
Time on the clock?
3:14
